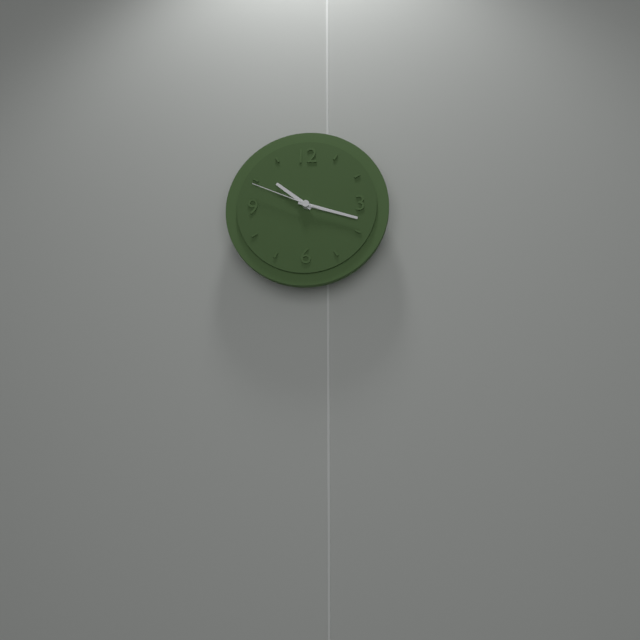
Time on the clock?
10:18:49
